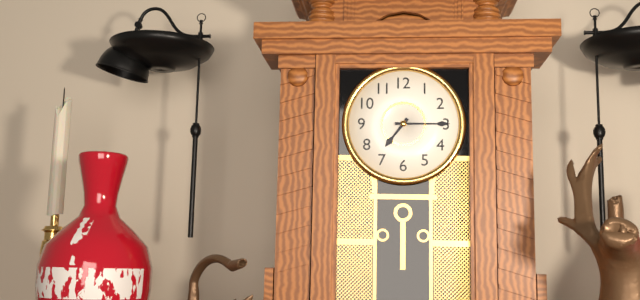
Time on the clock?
7:15
